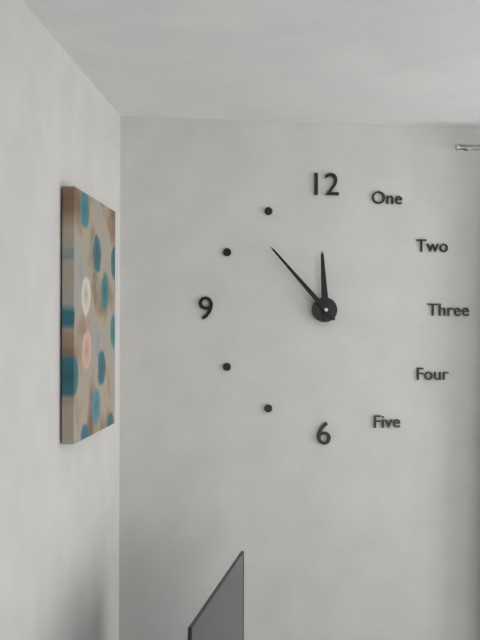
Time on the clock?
11:53
